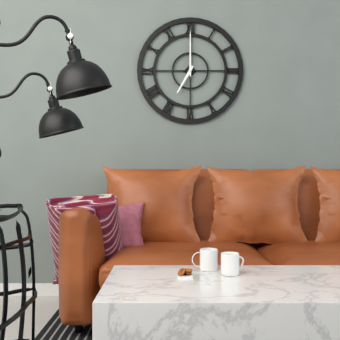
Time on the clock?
7:00
